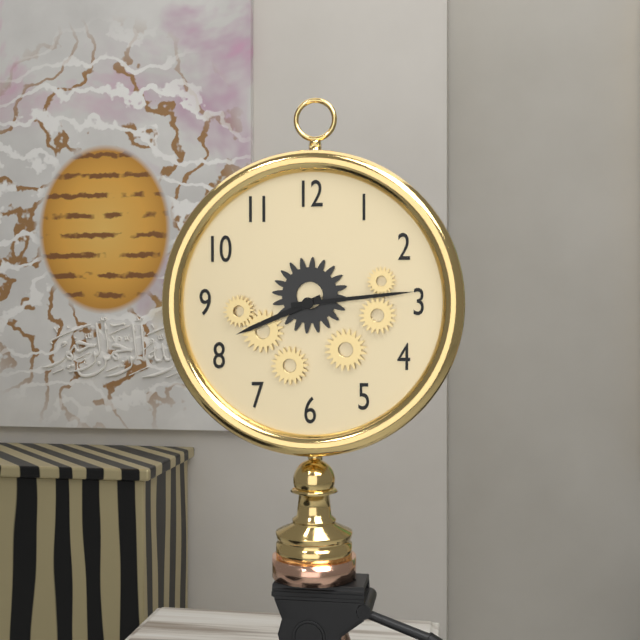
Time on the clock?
8:14
